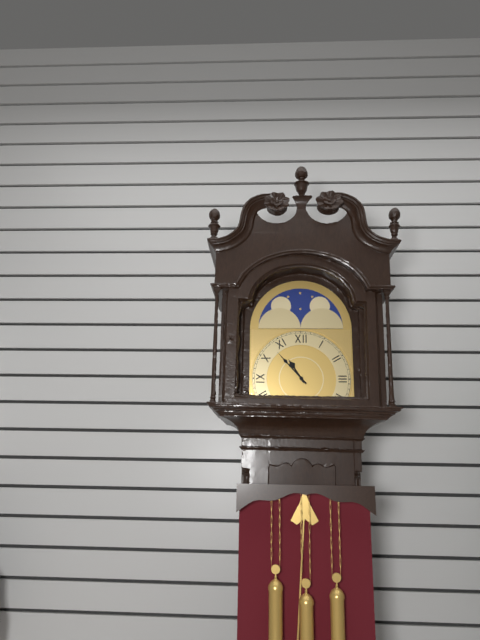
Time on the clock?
10:53
